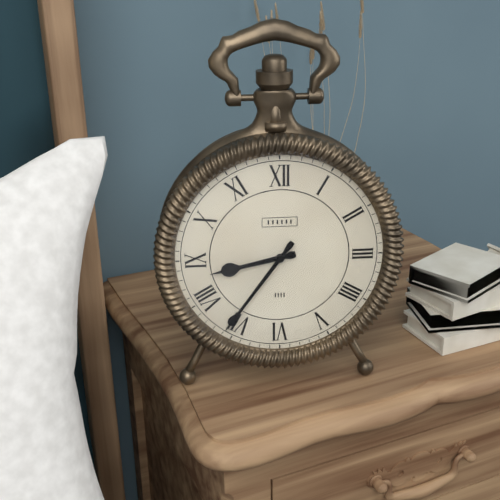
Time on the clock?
8:36
